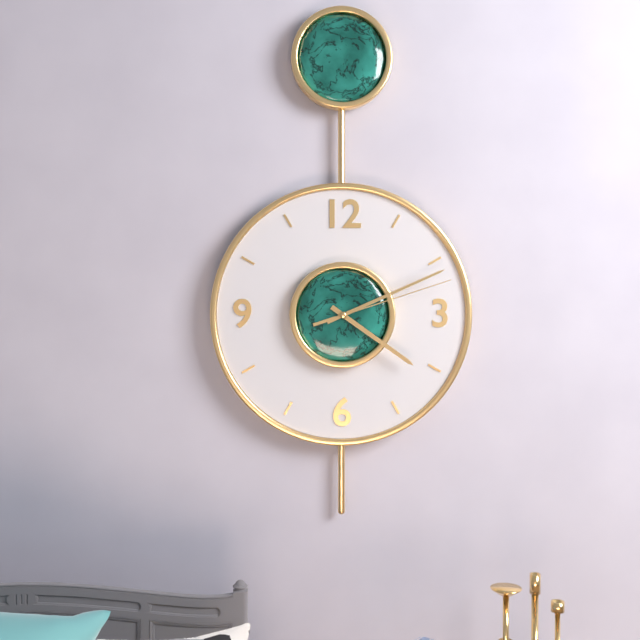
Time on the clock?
4:11:12
